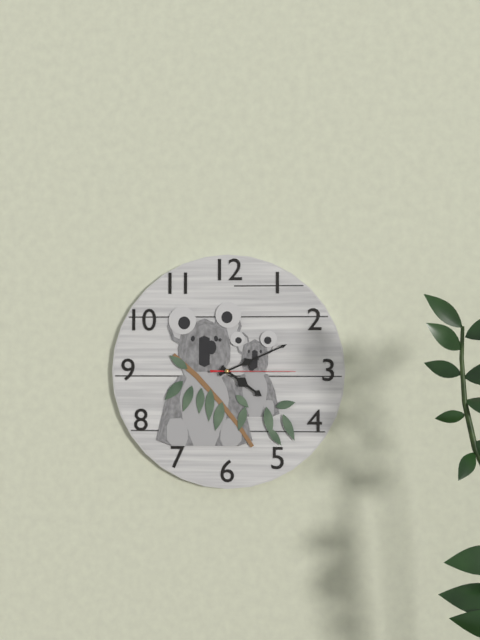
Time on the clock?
4:11:15
